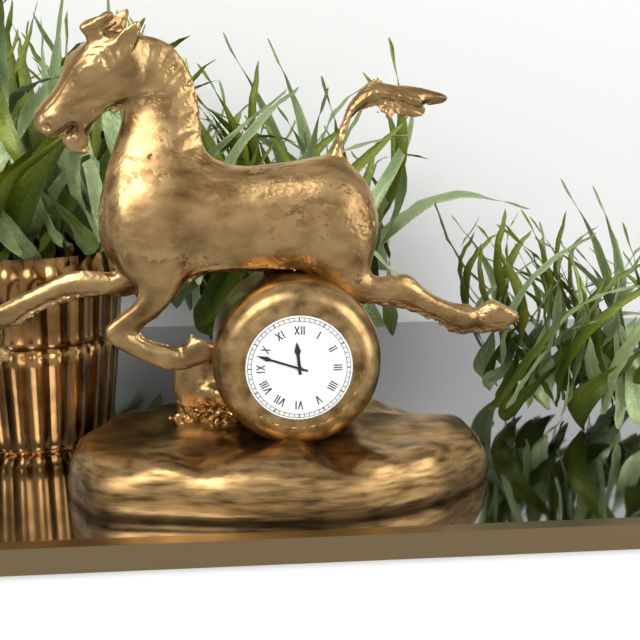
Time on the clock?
11:48
